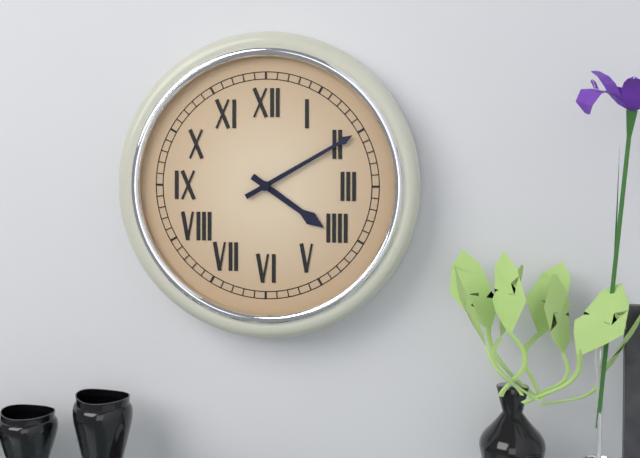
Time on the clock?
4:10
